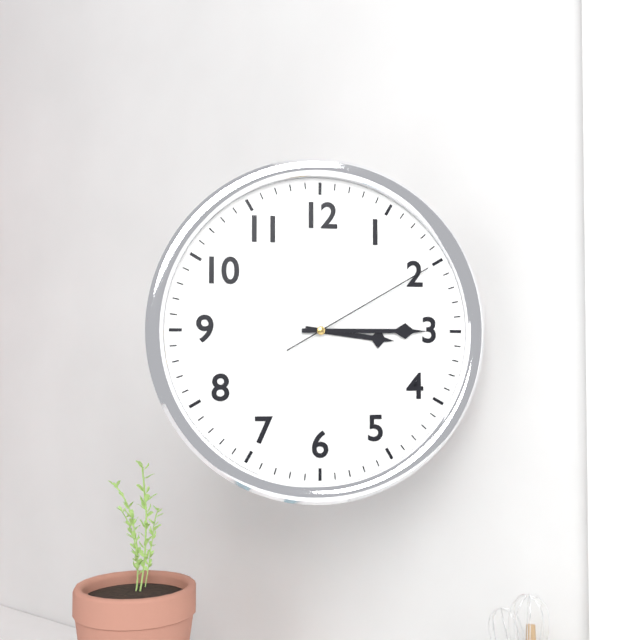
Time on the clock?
3:15:10
